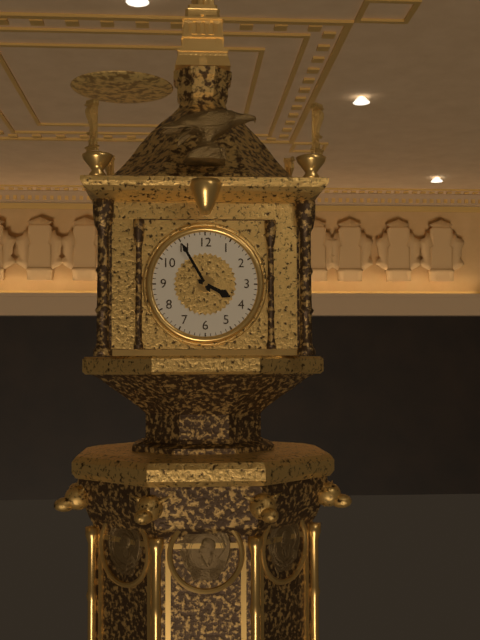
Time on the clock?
3:55
